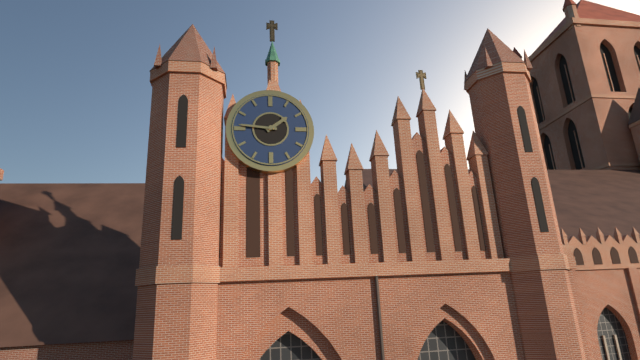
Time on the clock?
1:46
